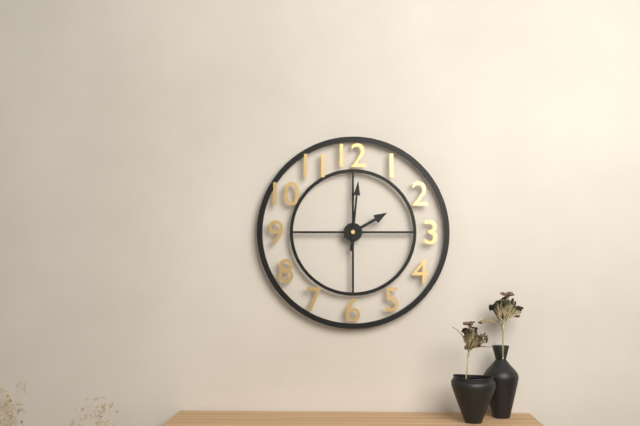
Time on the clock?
2:01
